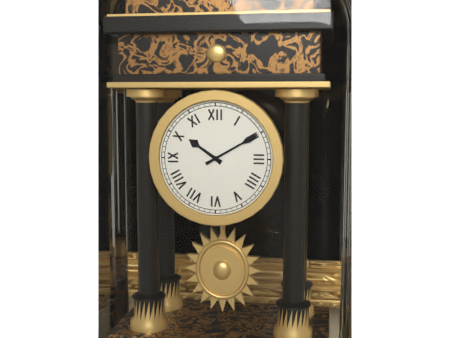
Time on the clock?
10:10
